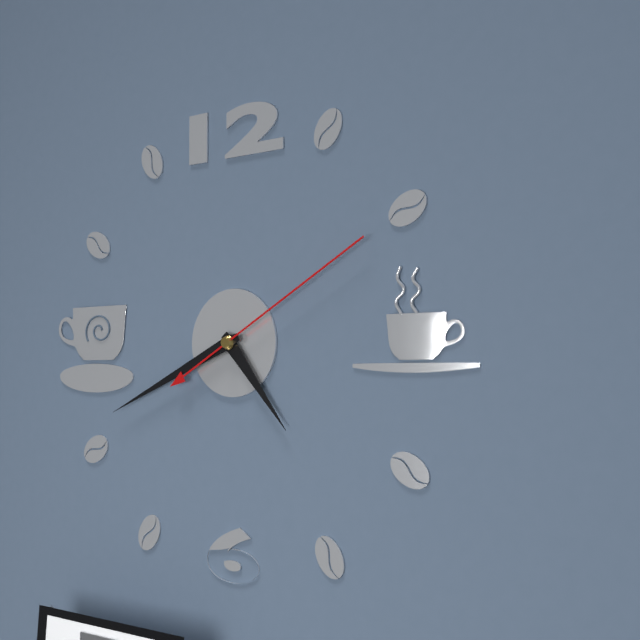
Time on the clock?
4:41:10
